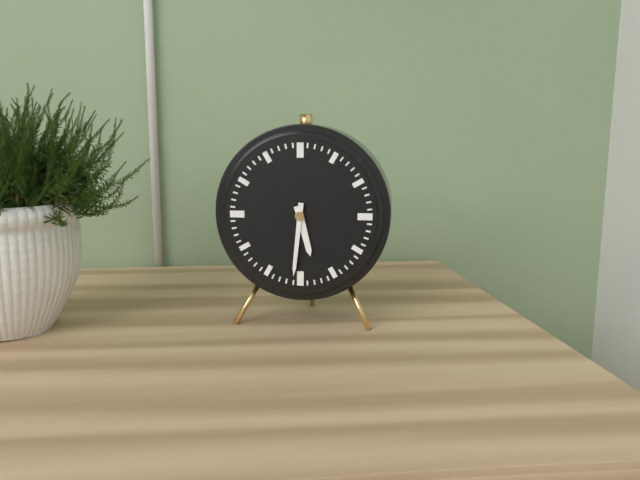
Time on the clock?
5:31
